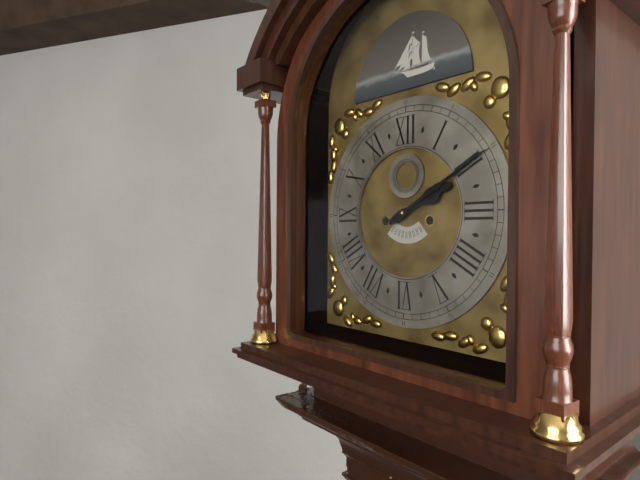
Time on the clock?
2:10
